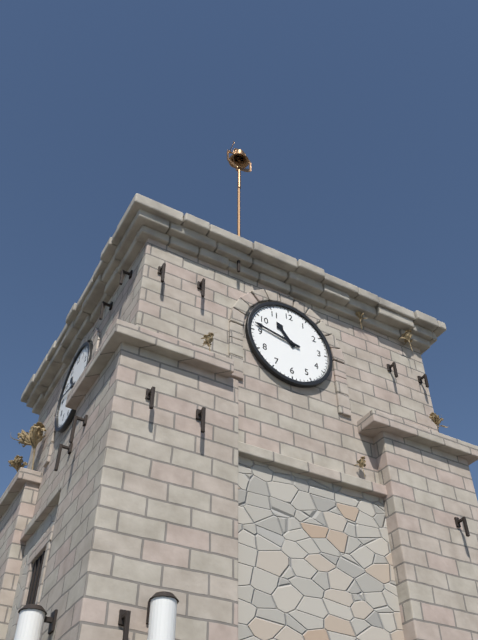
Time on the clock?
10:47
